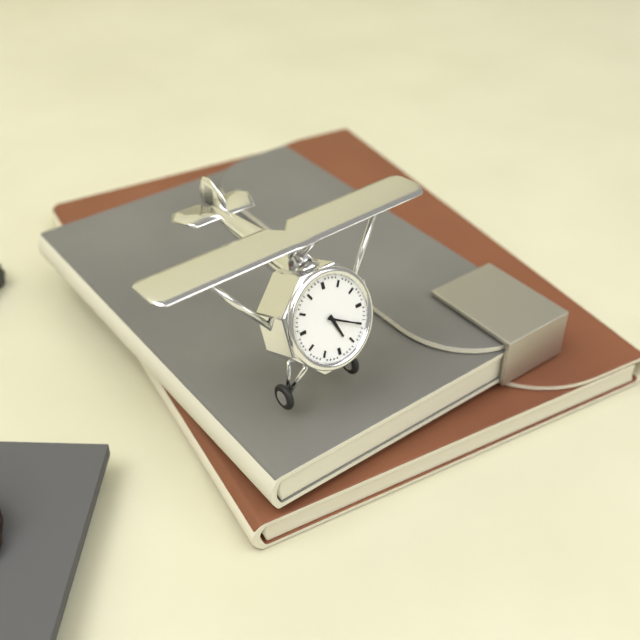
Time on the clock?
5:20
